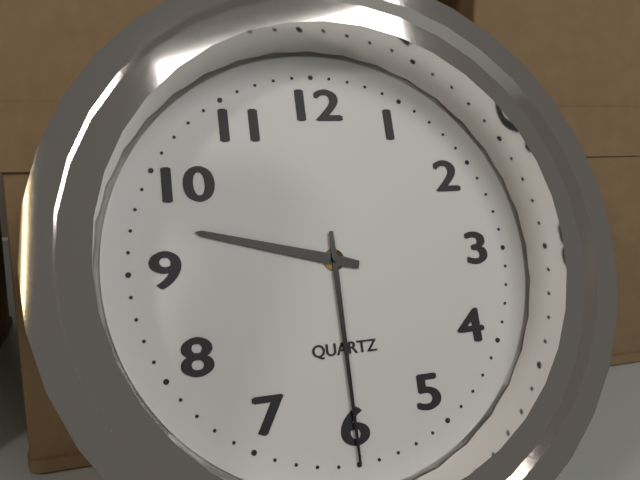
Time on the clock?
9:30
